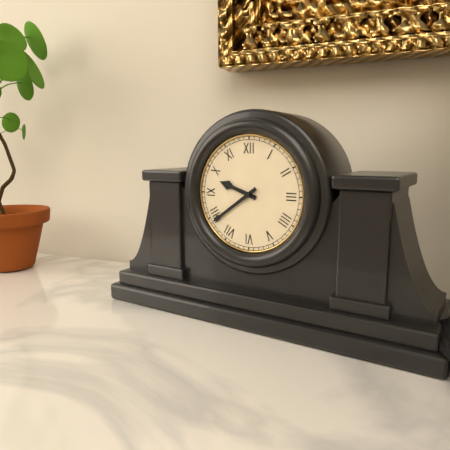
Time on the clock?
9:39
